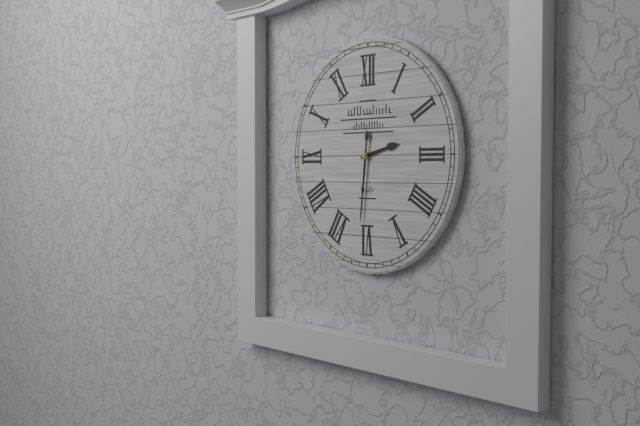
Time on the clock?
2:31
